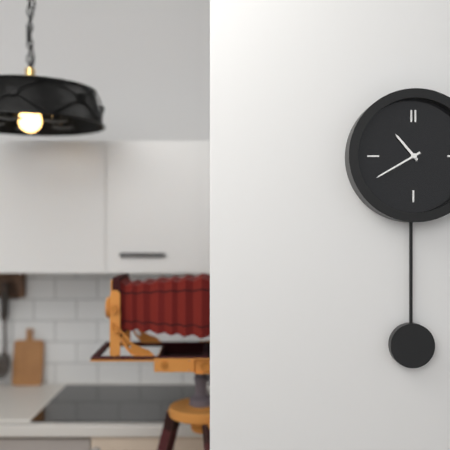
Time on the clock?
10:40
